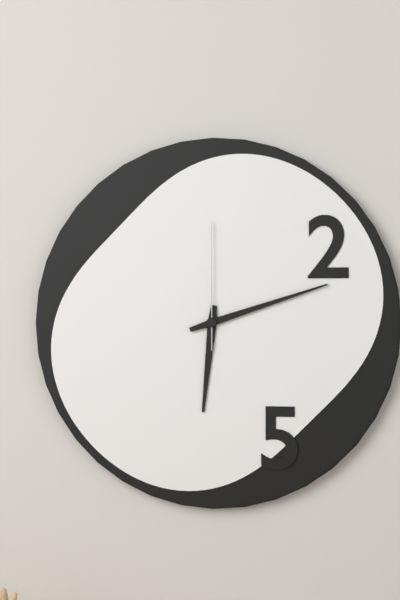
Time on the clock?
6:12:00
